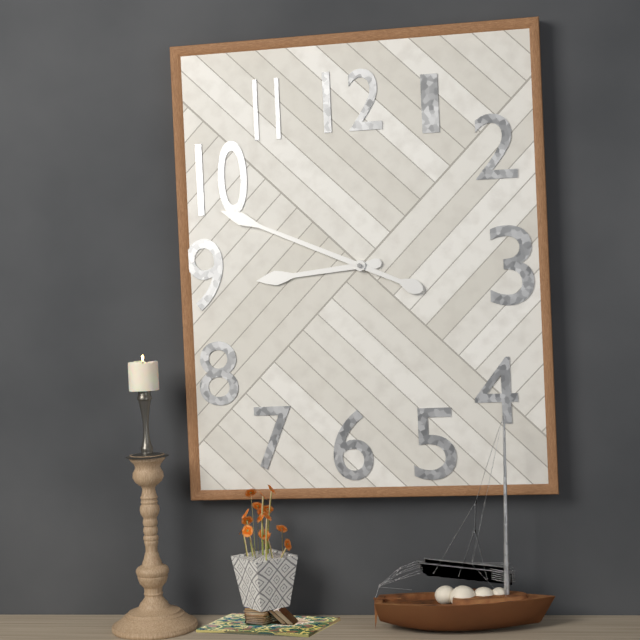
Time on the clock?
8:49
